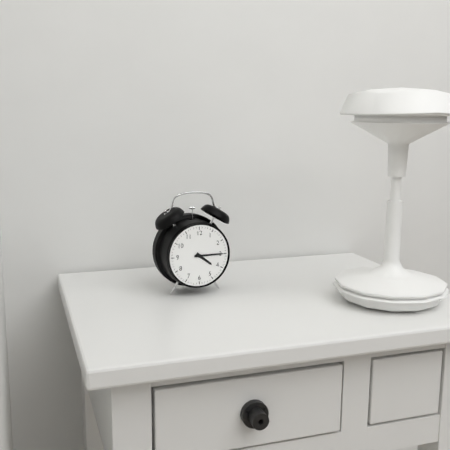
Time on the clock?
4:15
